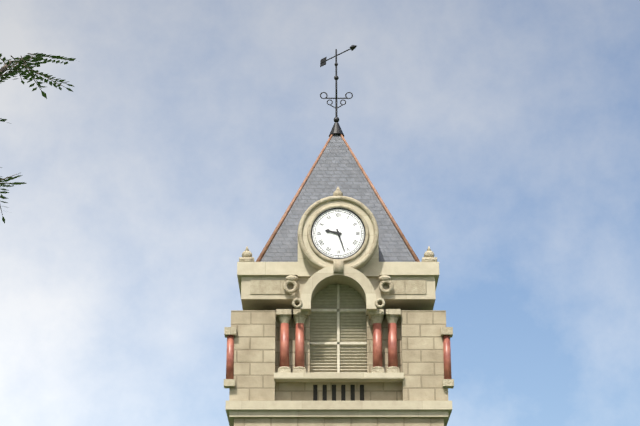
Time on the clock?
9:27
